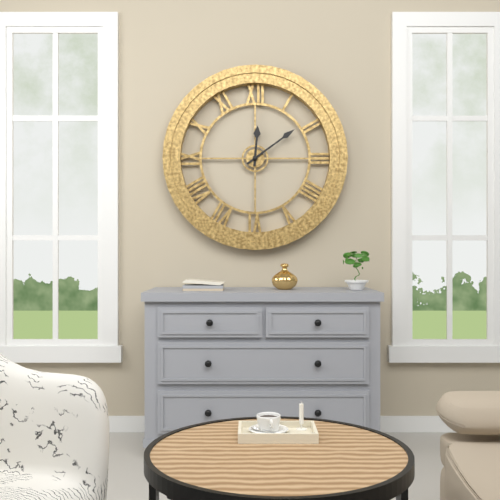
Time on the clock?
12:09
